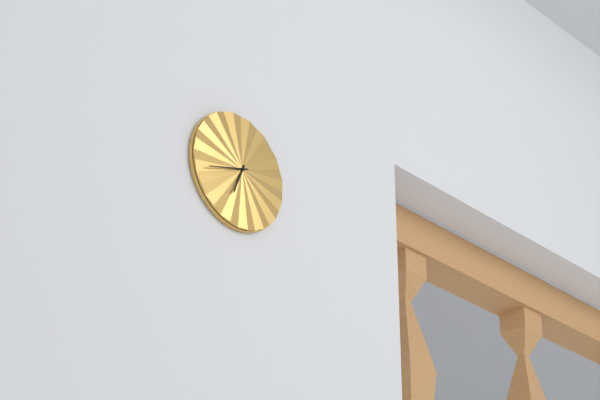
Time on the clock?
6:42
